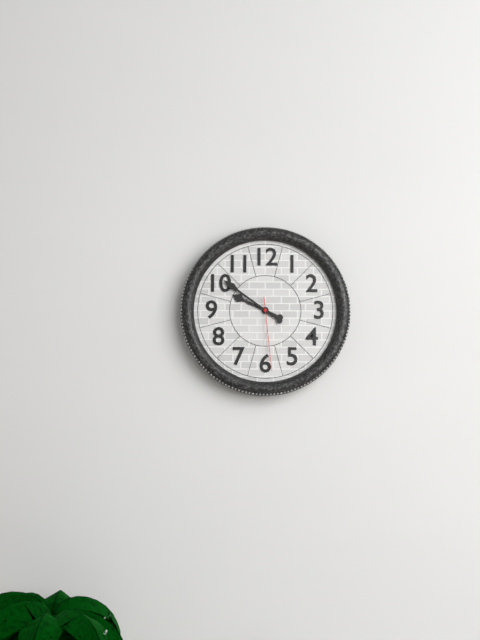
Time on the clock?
9:51:29
